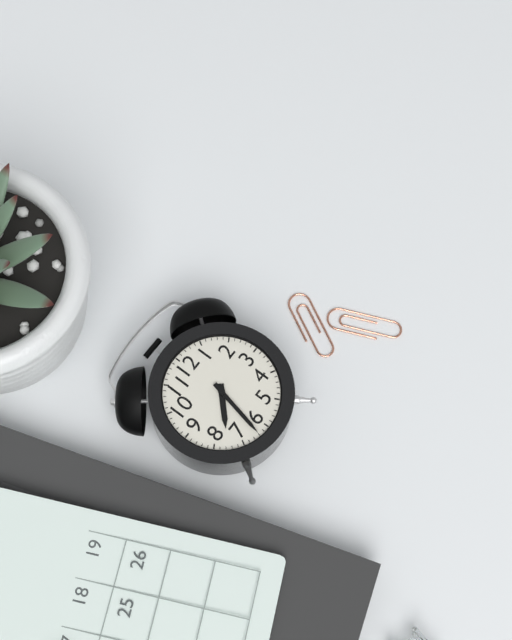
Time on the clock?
7:32
